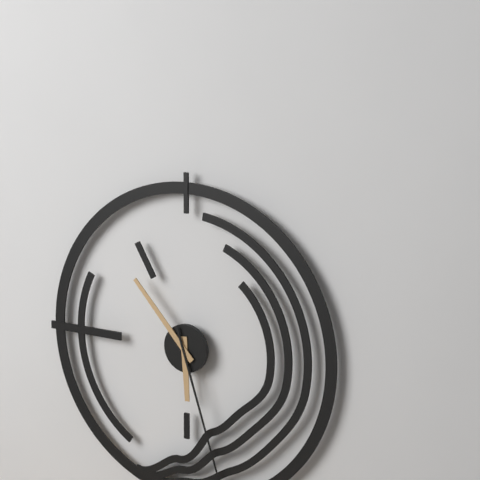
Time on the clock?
5:53
